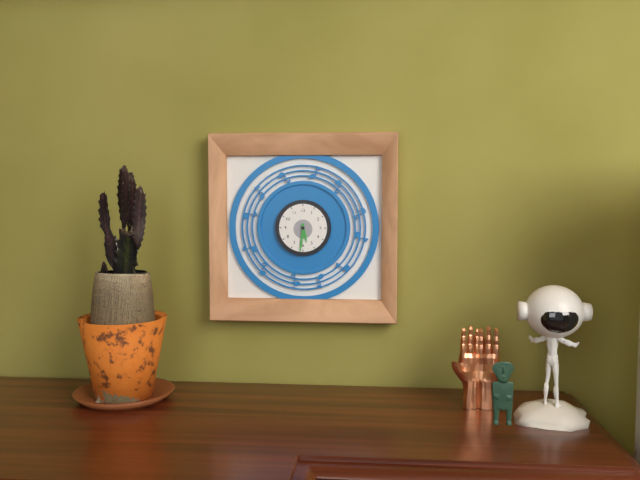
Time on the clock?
5:31
